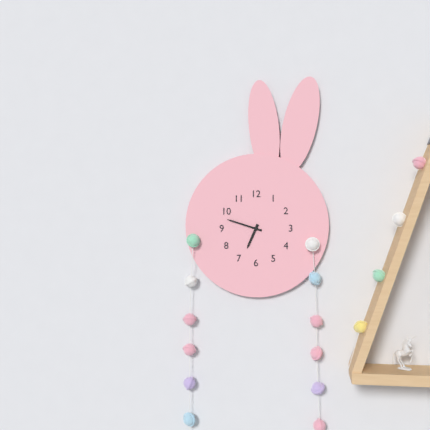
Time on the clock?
6:48
